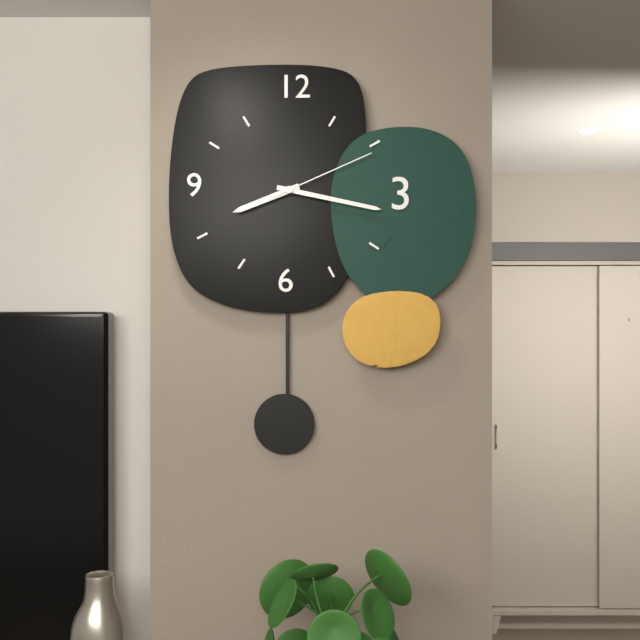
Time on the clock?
8:17:11
